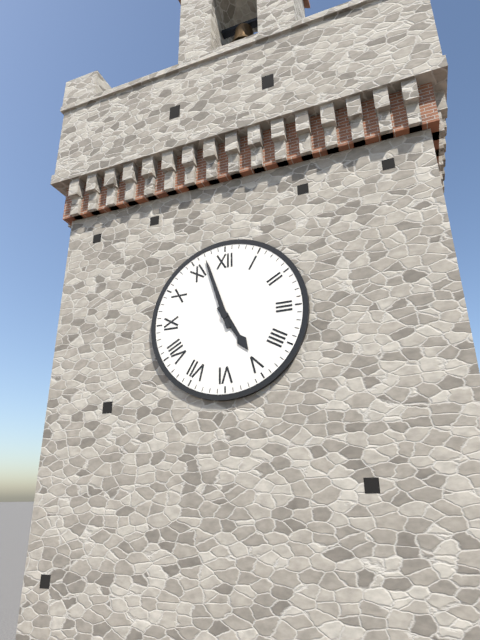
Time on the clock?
4:57
